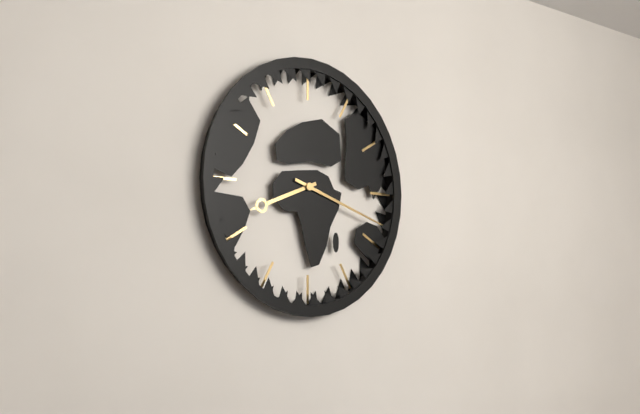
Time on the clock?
8:18
